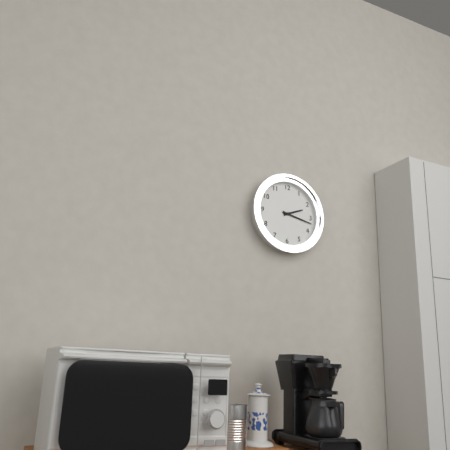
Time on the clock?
2:17
